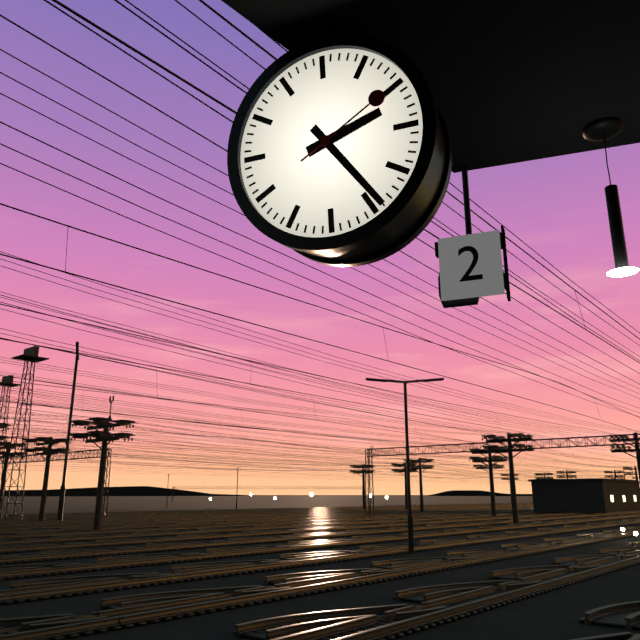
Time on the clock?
2:24:10
